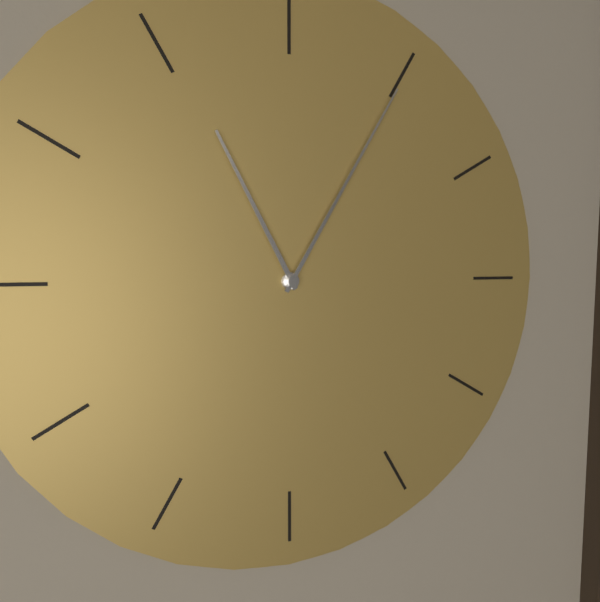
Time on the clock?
11:05
